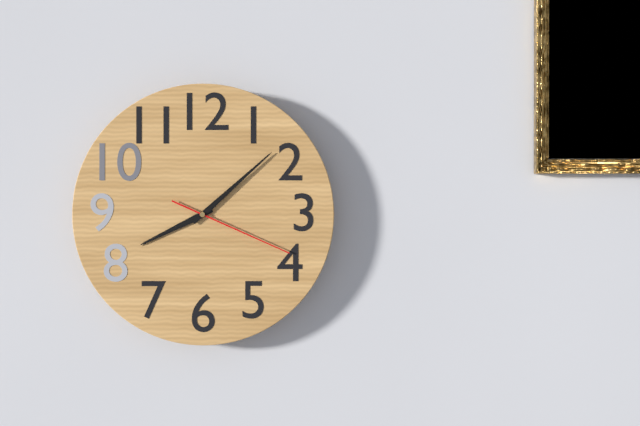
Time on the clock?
8:08:19
